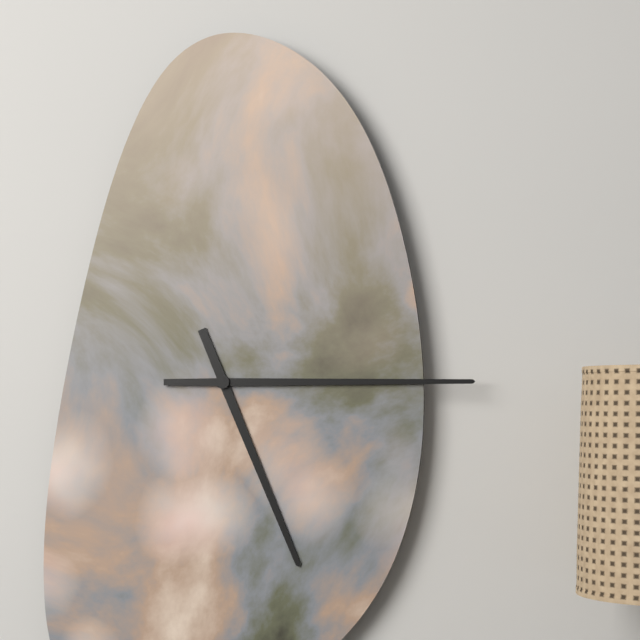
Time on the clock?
5:15
